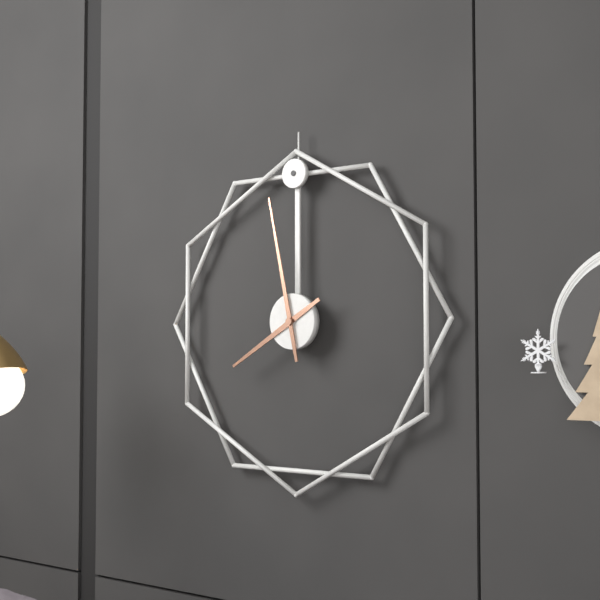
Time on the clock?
7:58
